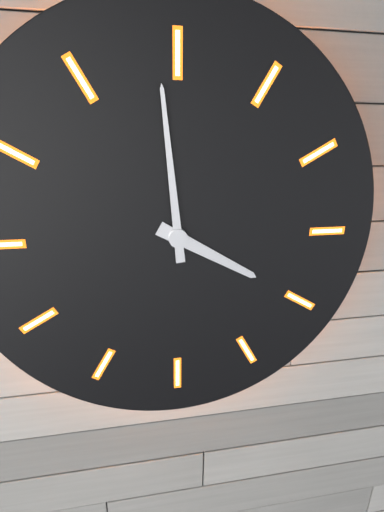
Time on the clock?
3:59
